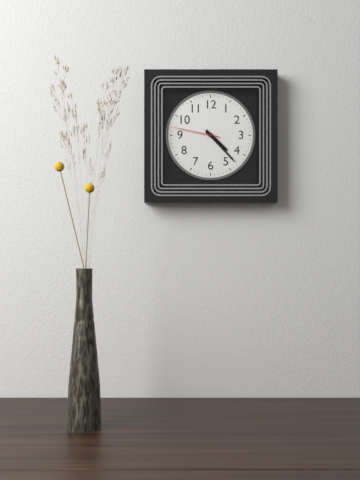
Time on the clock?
4:23
